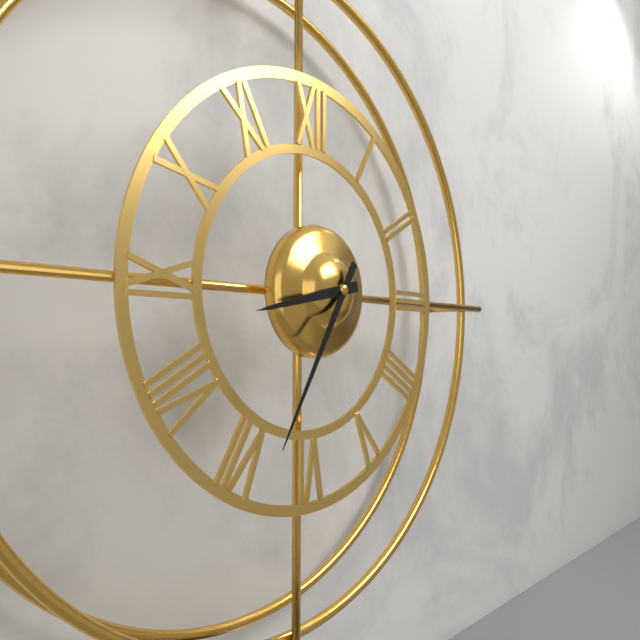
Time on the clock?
8:35
